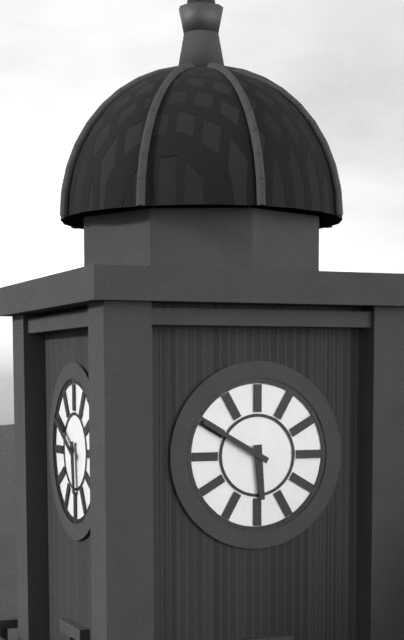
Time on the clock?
5:50
